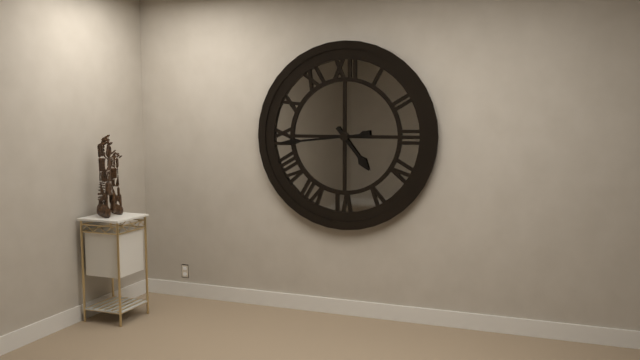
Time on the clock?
4:44
